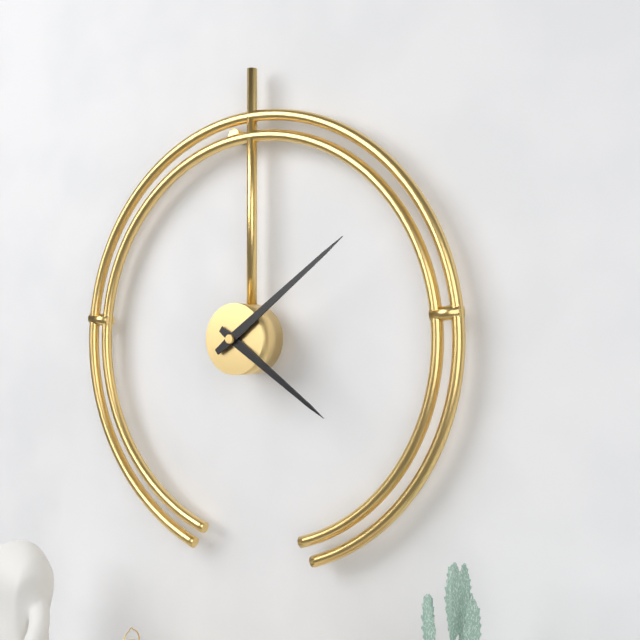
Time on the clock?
4:09
